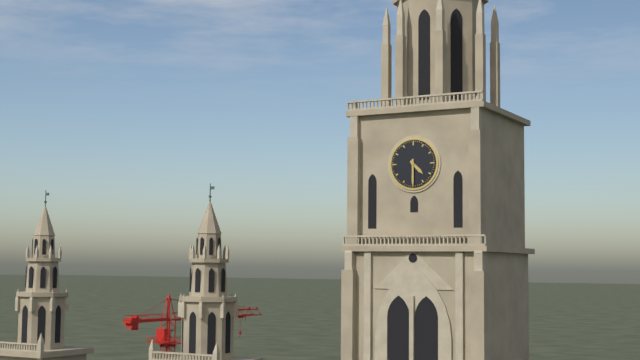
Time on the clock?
4:30
